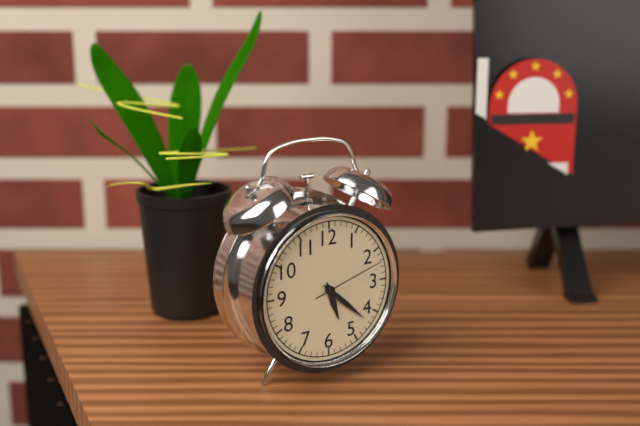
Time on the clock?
5:22:12
